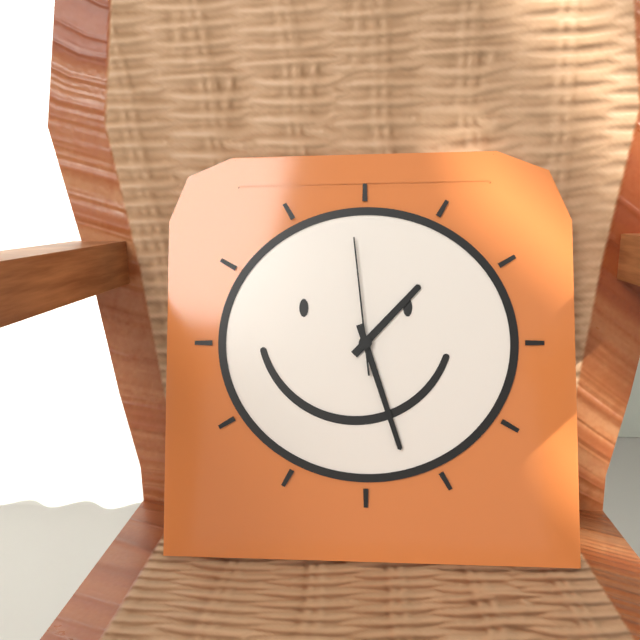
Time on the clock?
1:27:59
